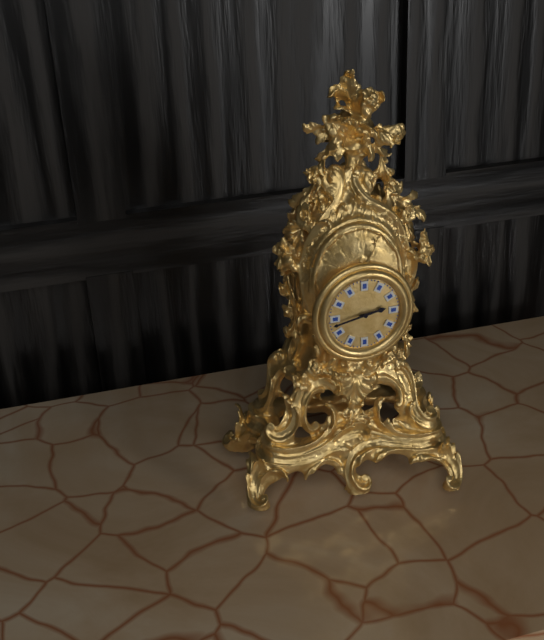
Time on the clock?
2:43
